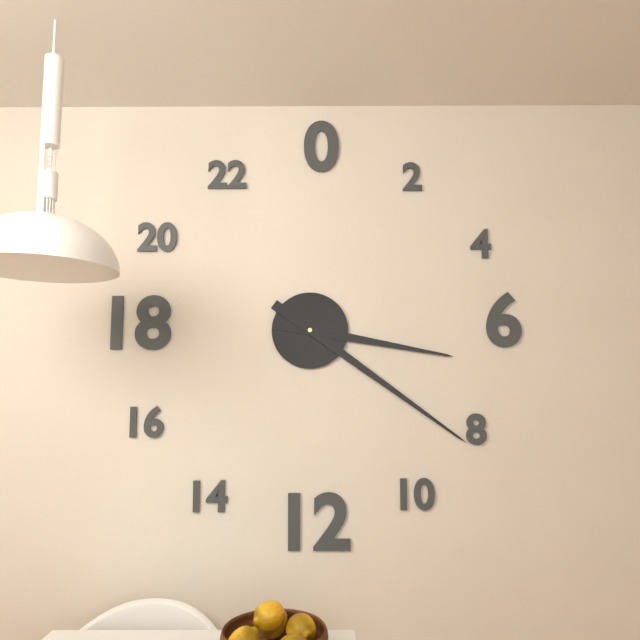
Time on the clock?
3:21
